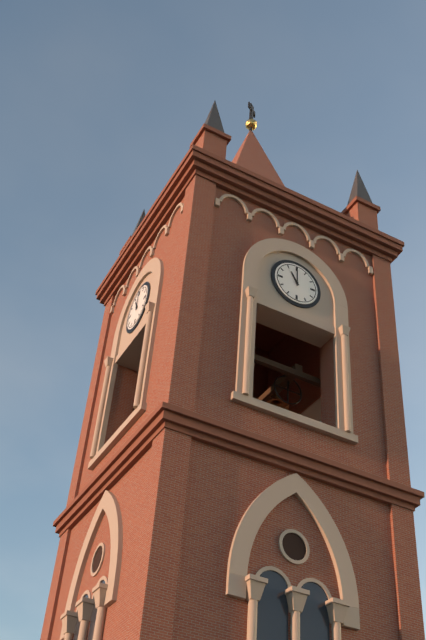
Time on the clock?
11:00
